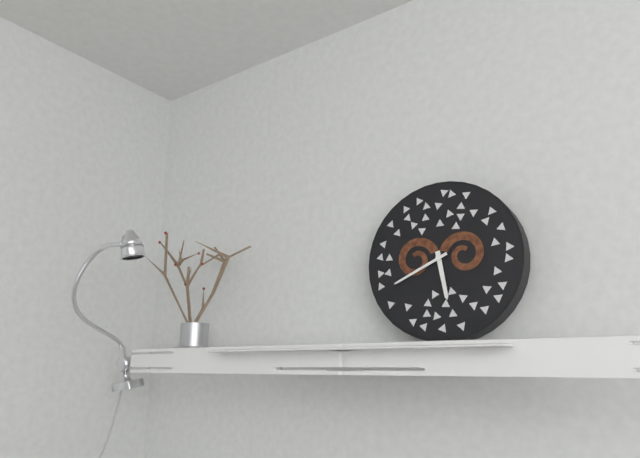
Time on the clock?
5:41
